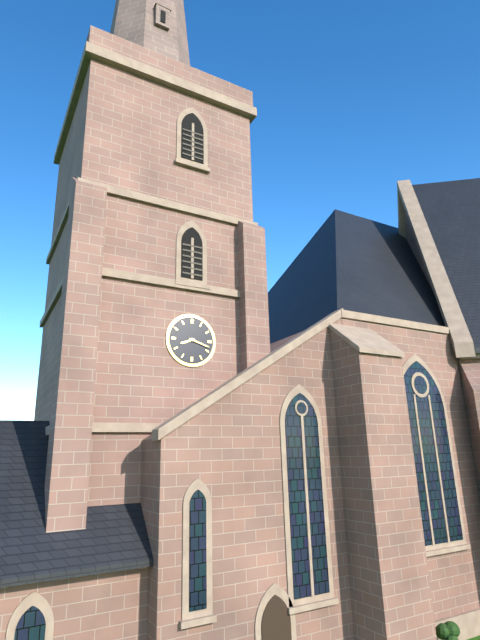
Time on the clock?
8:18
